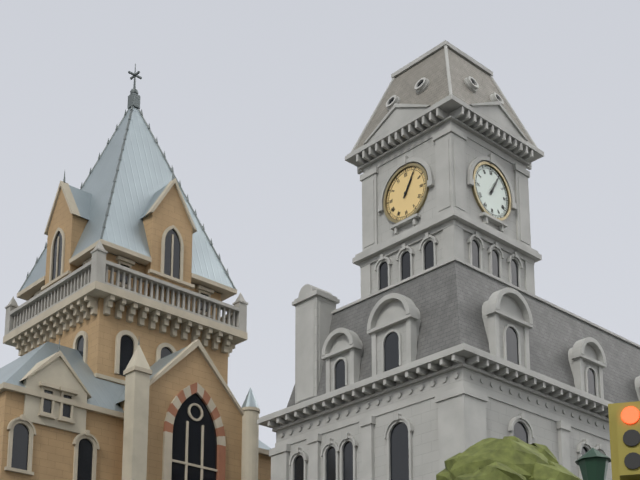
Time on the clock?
1:05
